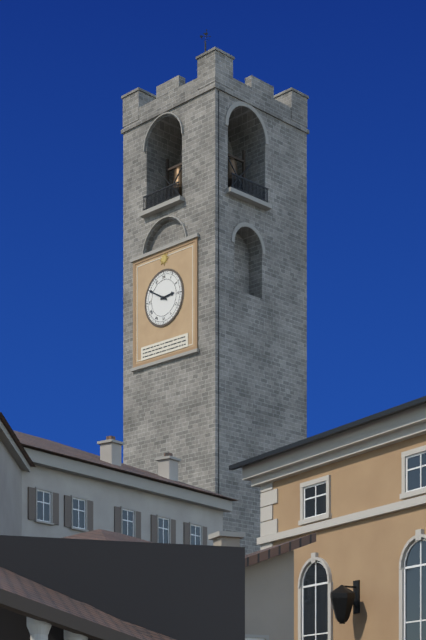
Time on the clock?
2:50
